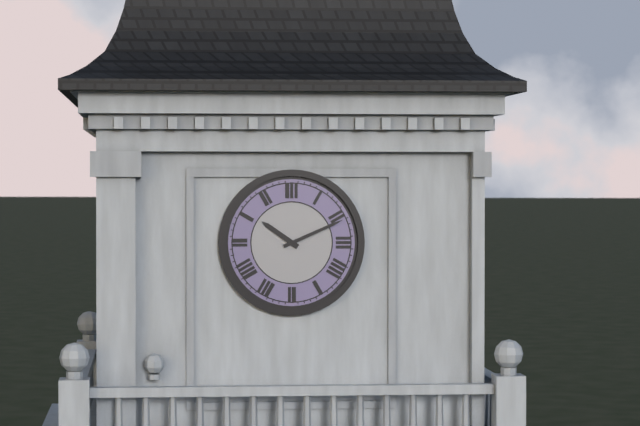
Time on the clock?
10:11
